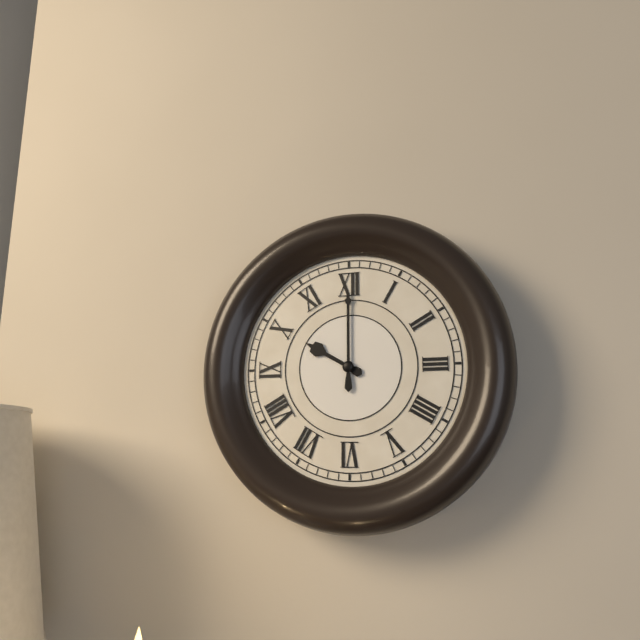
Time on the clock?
10:00
